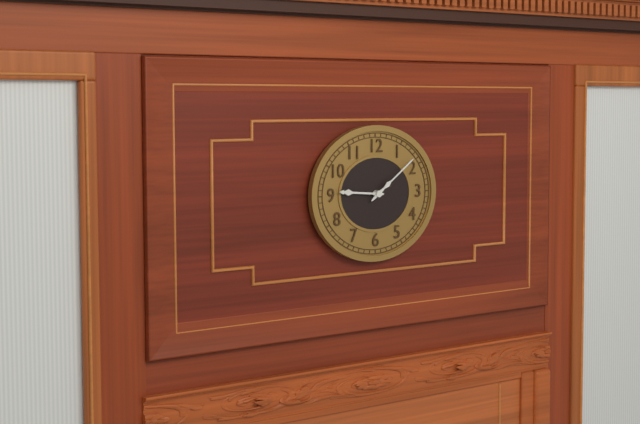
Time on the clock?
9:09
